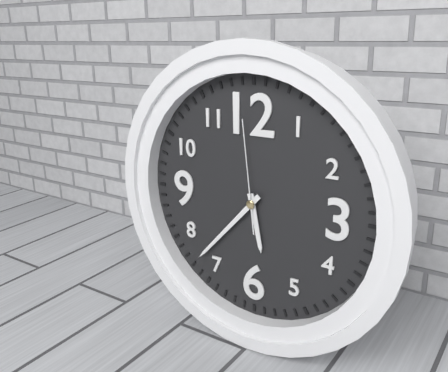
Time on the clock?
5:37:59
